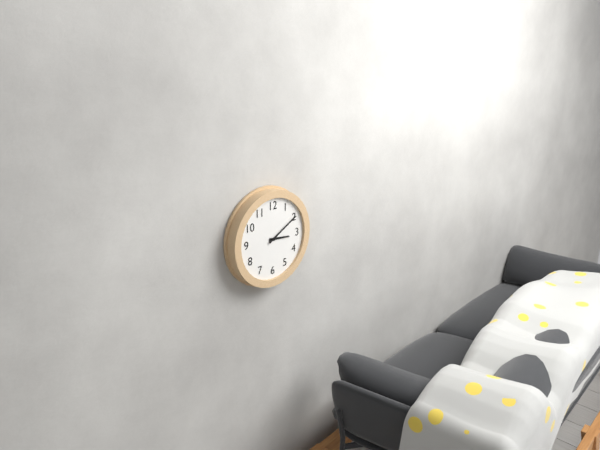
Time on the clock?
3:10
